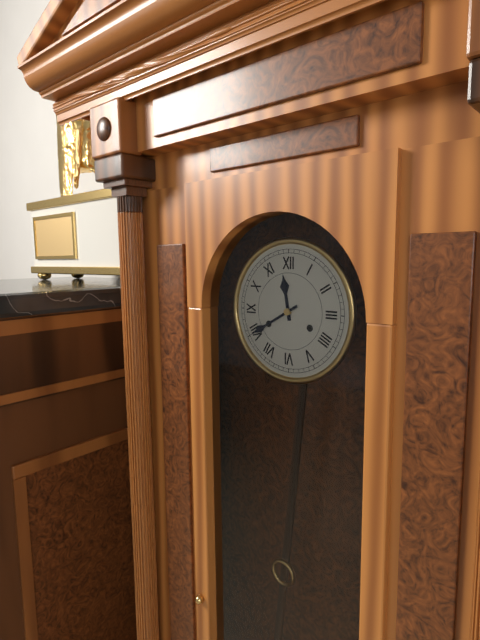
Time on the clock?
11:40
